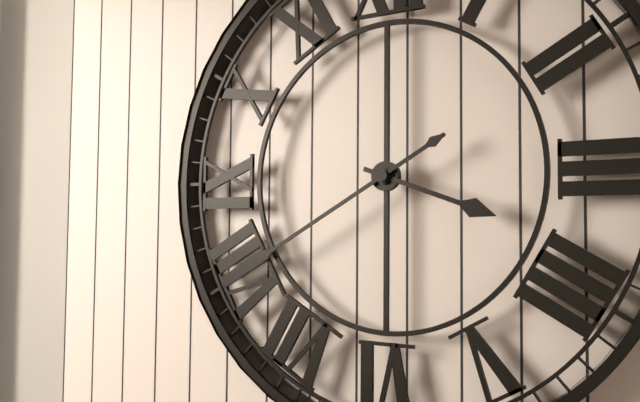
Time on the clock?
3:40
